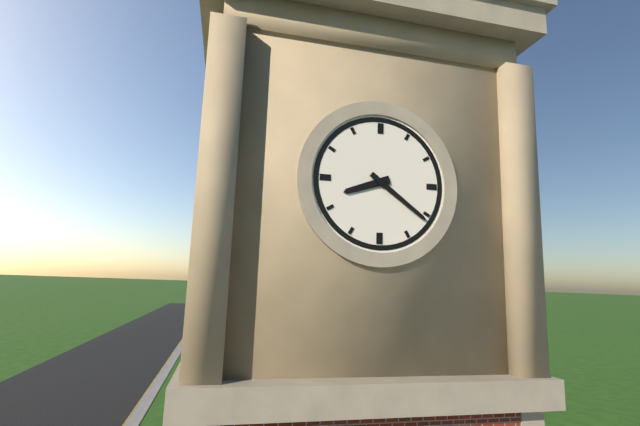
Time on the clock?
8:21
